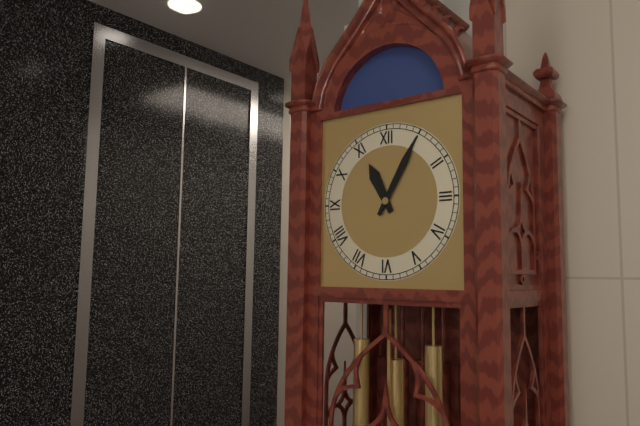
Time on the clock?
11:05
